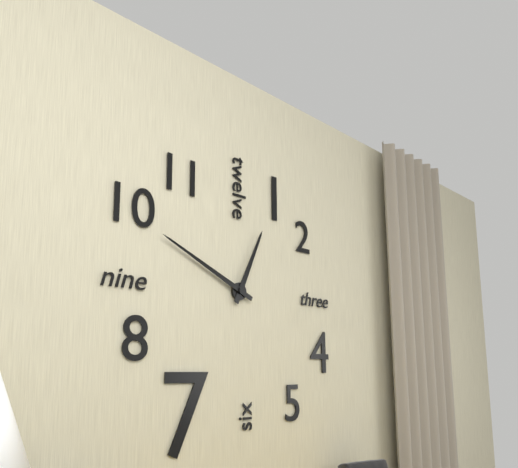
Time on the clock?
12:49
